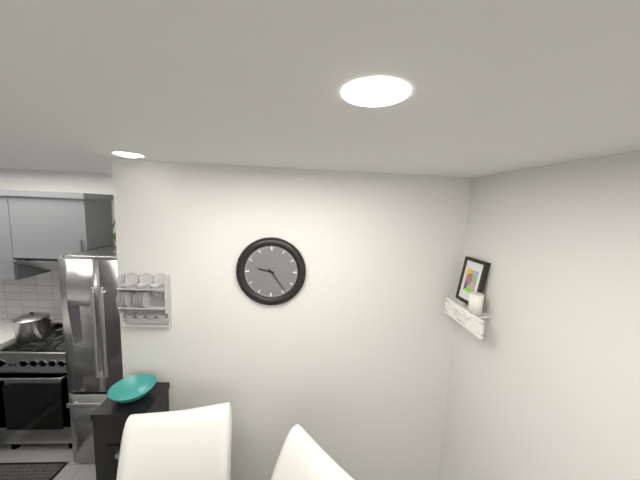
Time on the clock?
9:24
